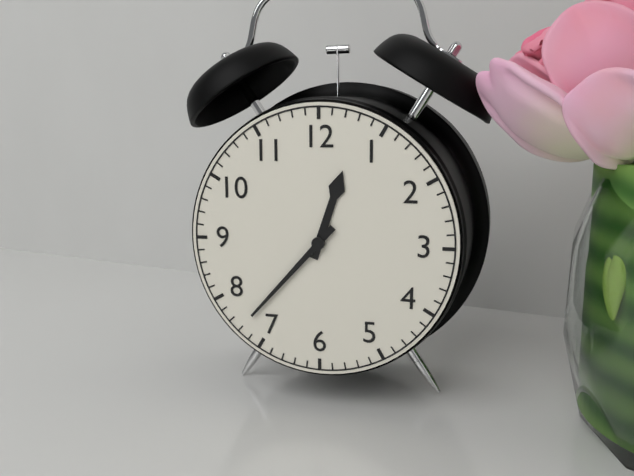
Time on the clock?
12:37
